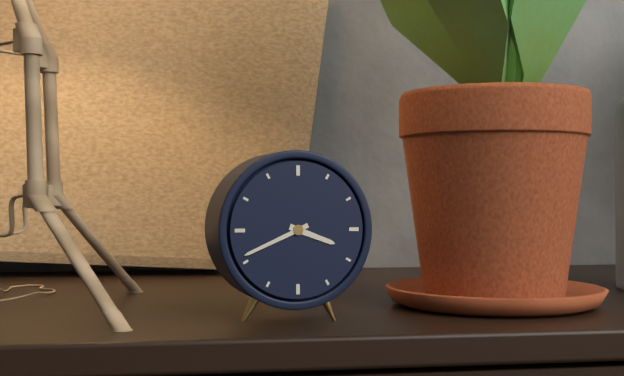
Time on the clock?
3:41
